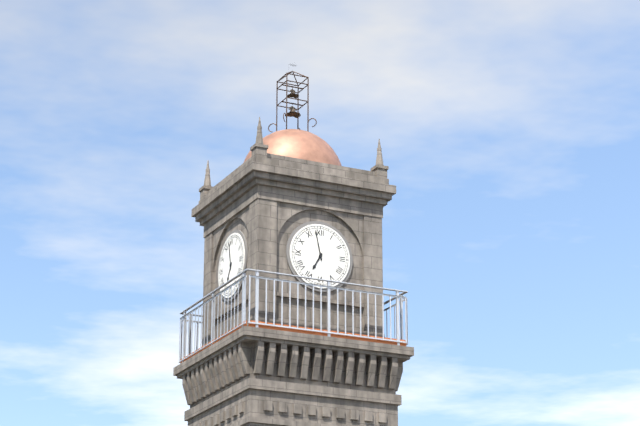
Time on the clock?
6:58
